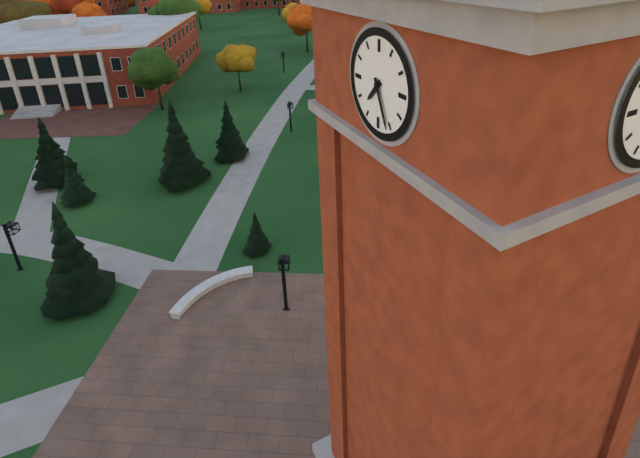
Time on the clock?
7:26
